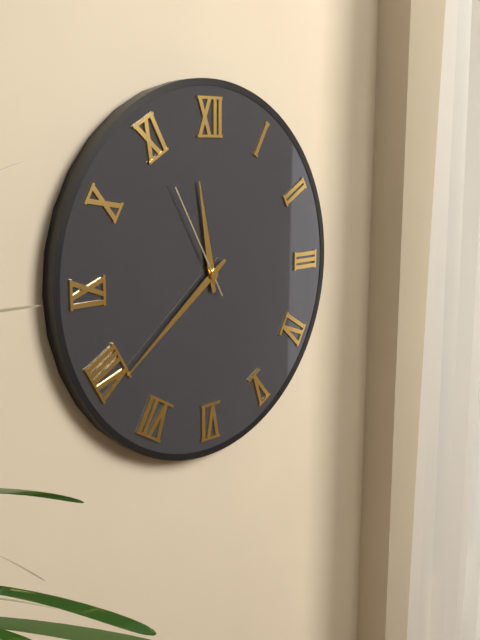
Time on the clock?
11:39:55
